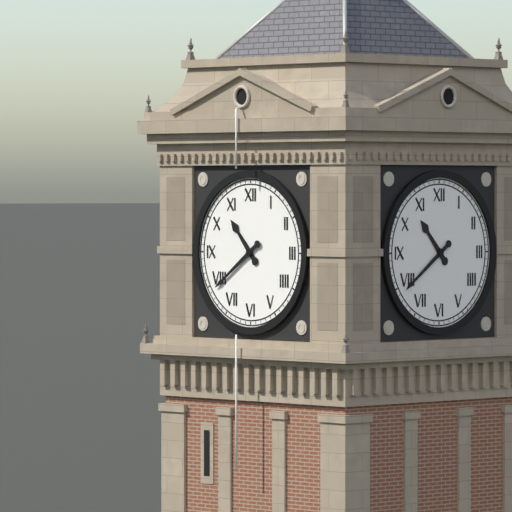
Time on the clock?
10:39
